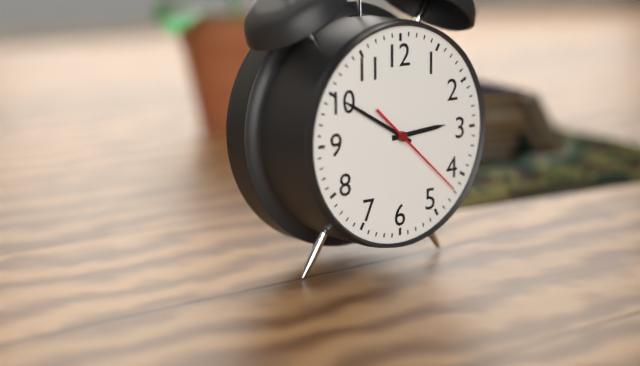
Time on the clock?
2:50:22
